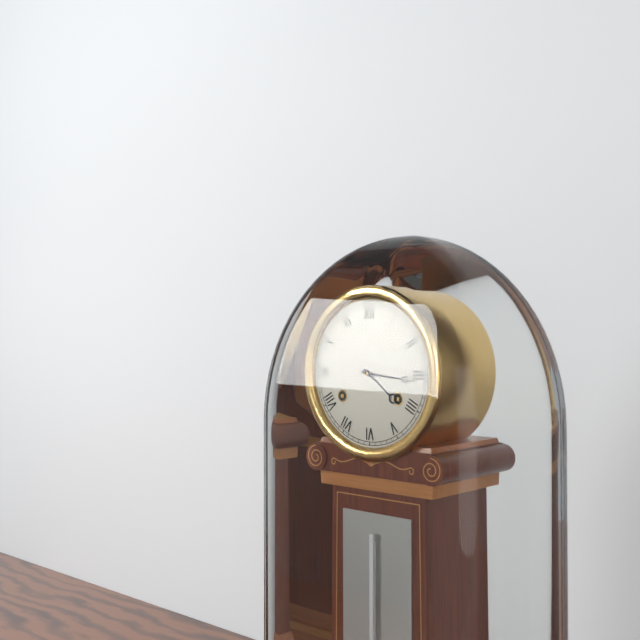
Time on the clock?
4:16
